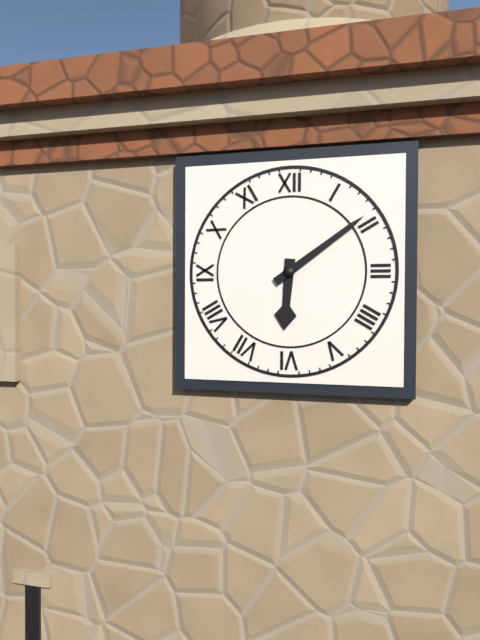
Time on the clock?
6:09
